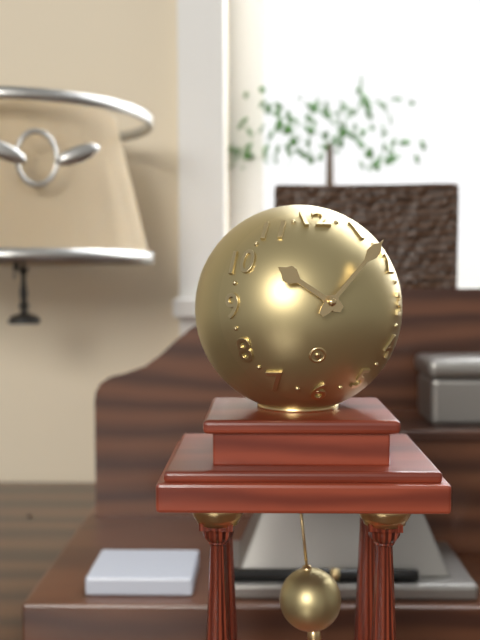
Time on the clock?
10:07
